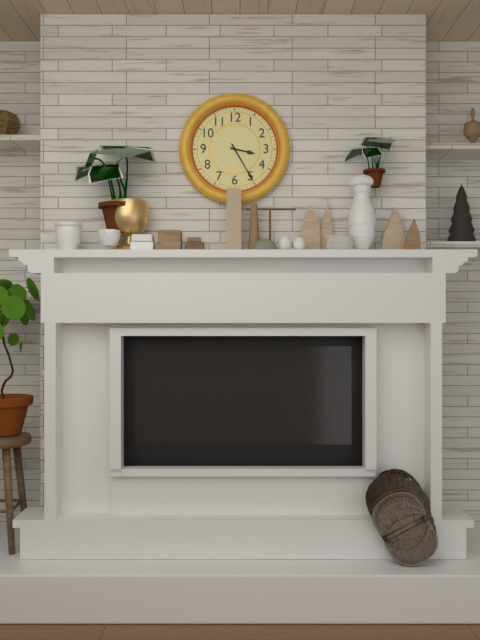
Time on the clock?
3:25
